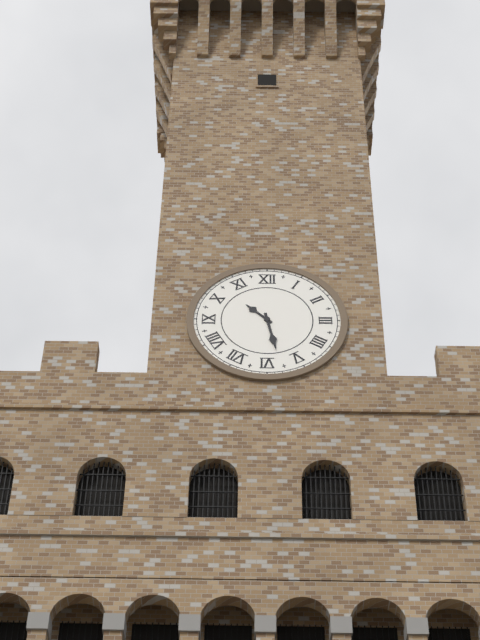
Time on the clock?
10:28
